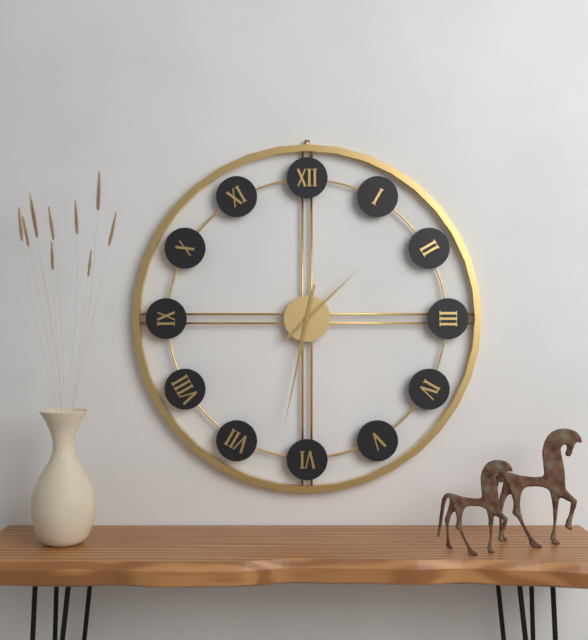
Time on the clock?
1:32
